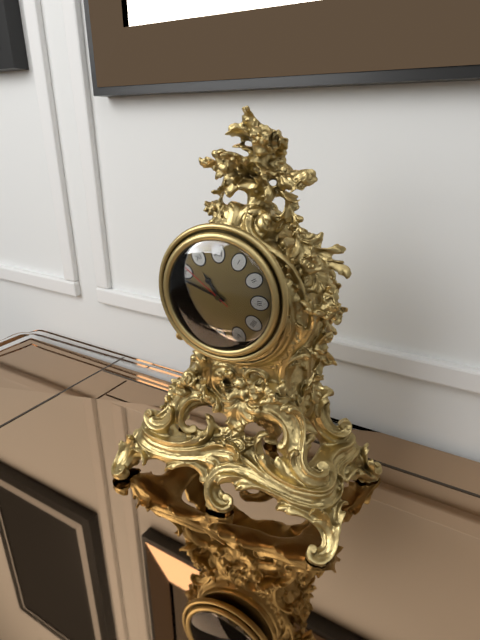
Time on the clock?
10:48:51
